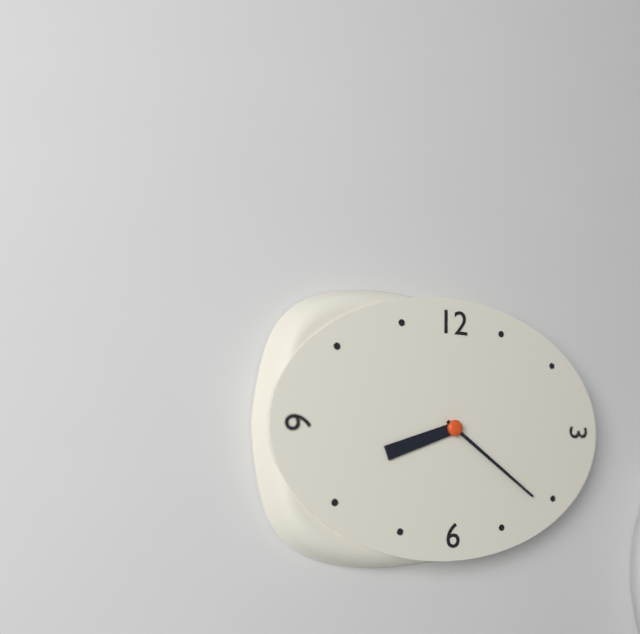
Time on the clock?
8:21
